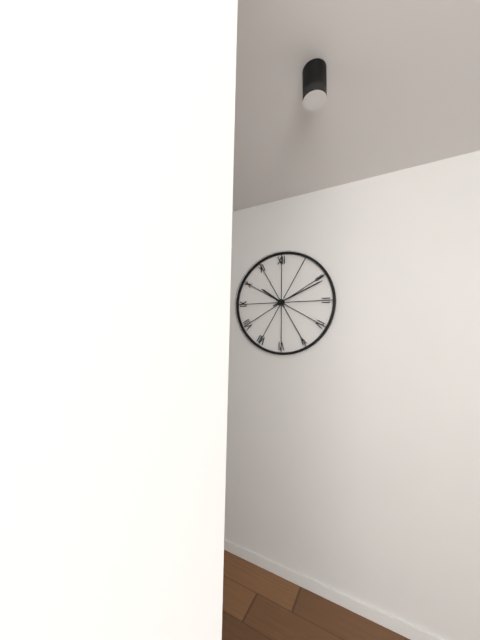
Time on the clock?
10:11
